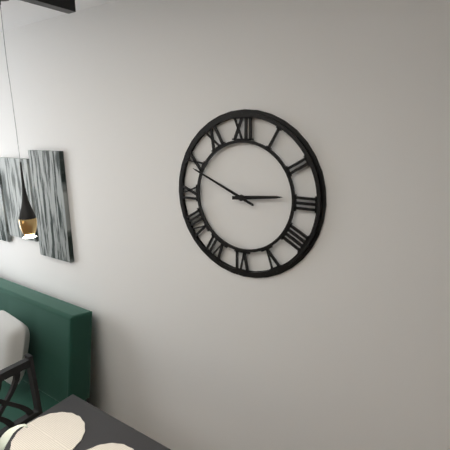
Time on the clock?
2:49
